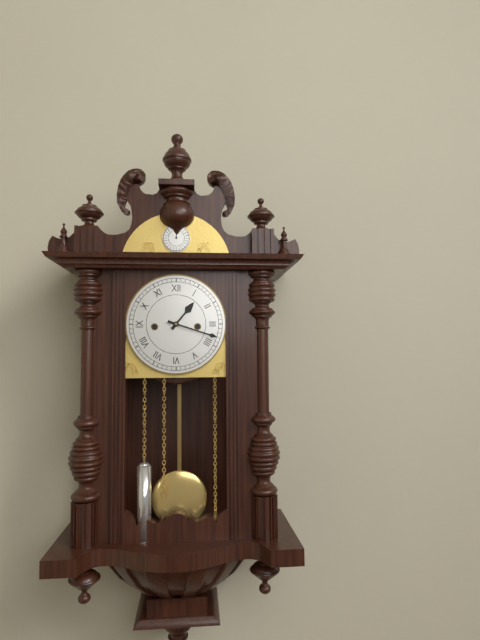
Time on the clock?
1:18
